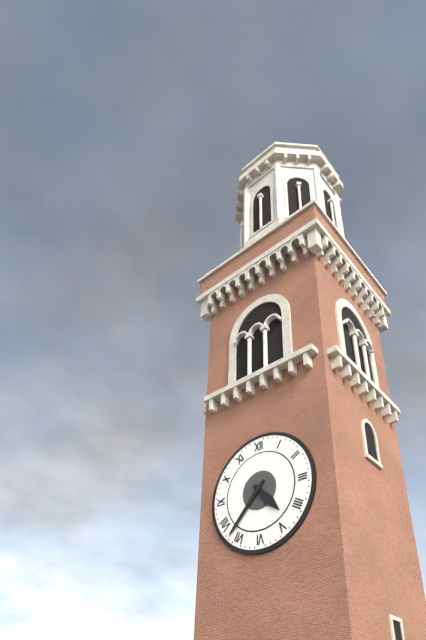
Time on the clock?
4:37
